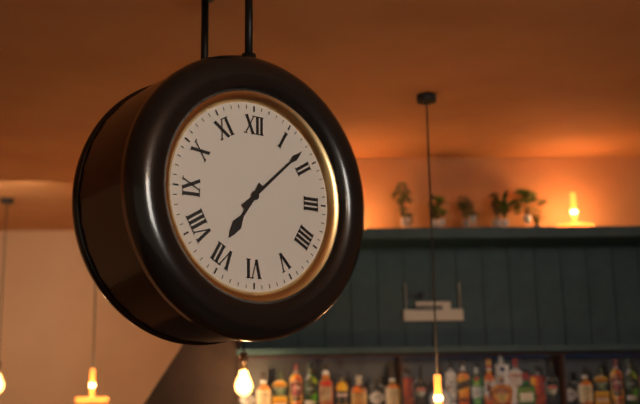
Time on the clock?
7:08
